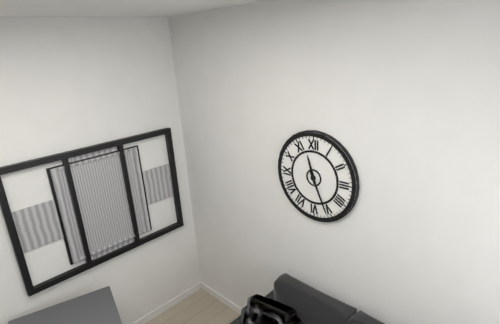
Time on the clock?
11:26
